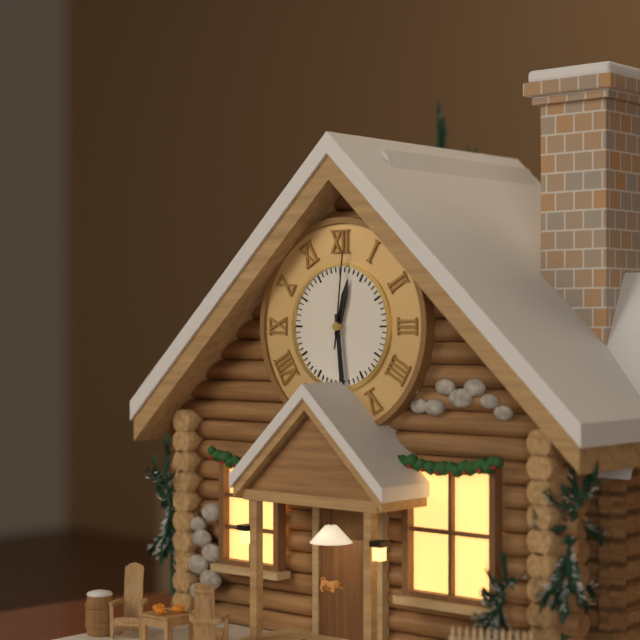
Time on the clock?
12:29:01
